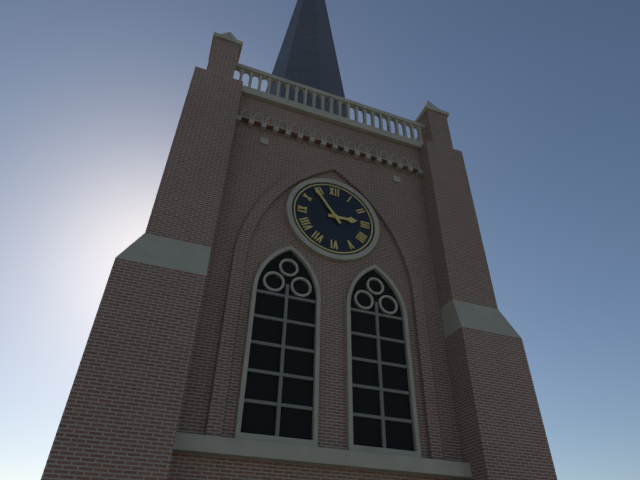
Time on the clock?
2:54
